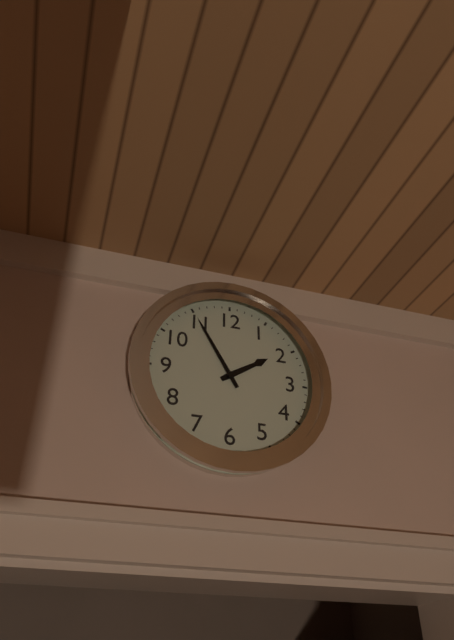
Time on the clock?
1:55
